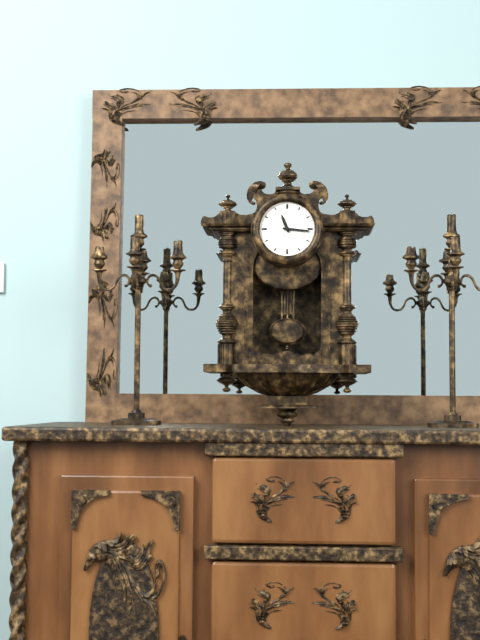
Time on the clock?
11:16
